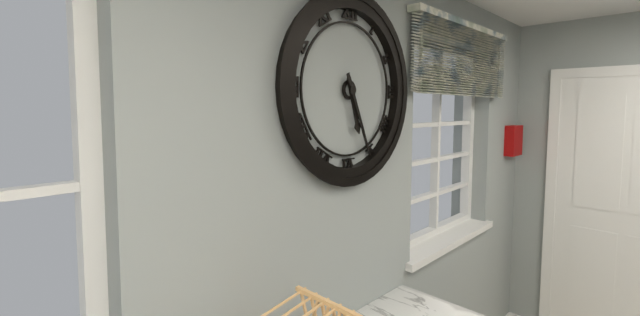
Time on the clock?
5:26
